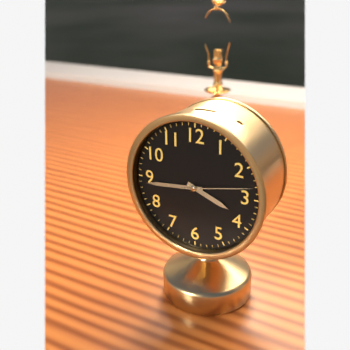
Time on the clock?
3:44:13
